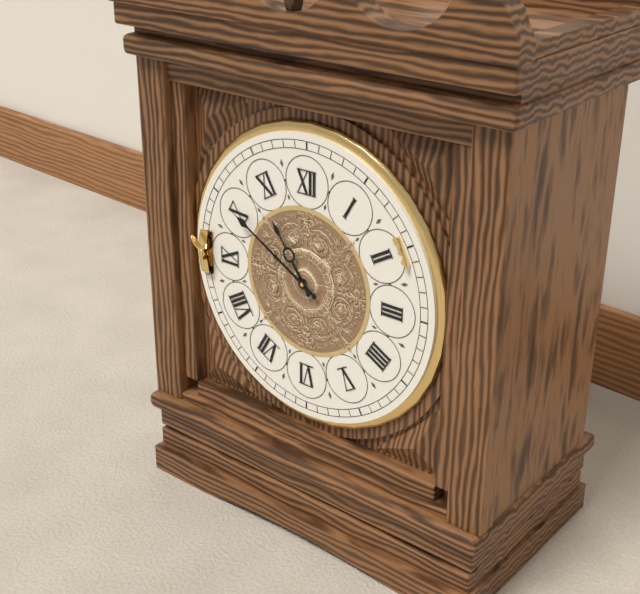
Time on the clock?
10:50
